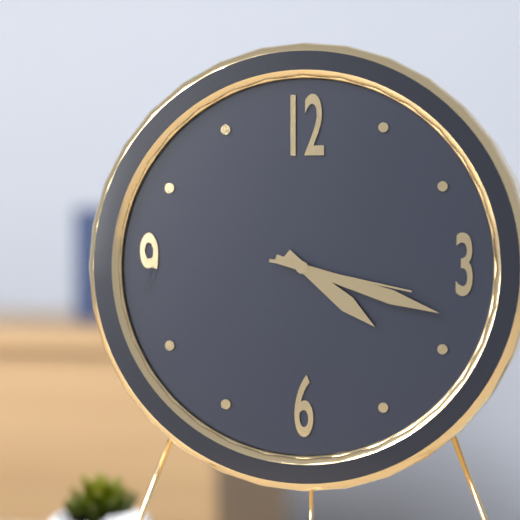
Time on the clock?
4:18:17
